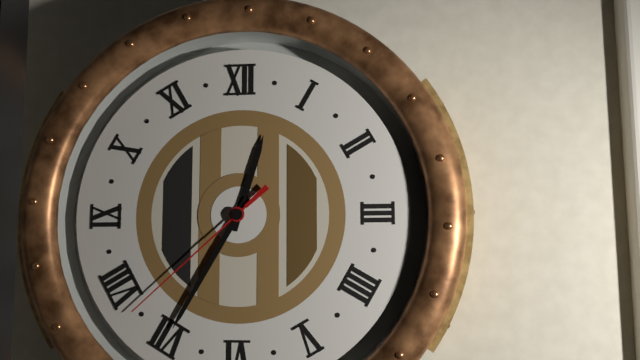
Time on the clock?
12:35:38
